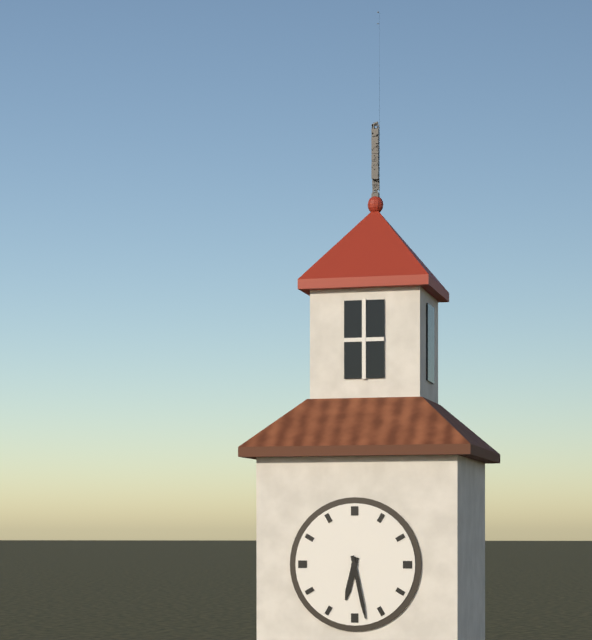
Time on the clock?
6:28
